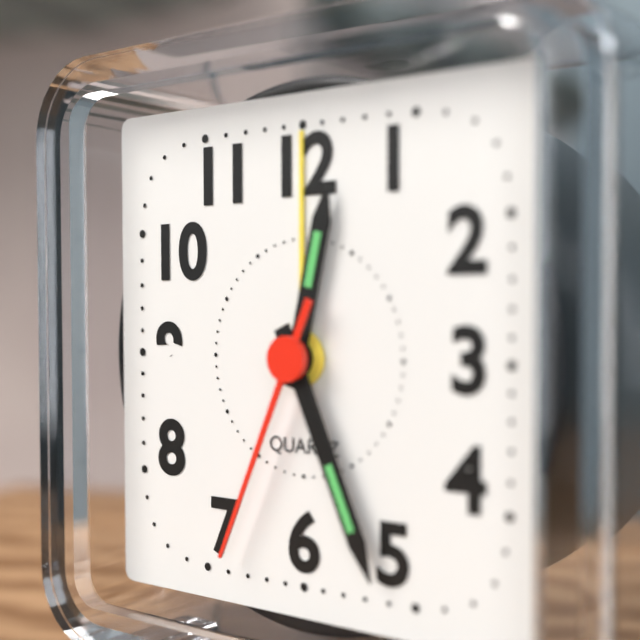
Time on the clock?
12:26:34
